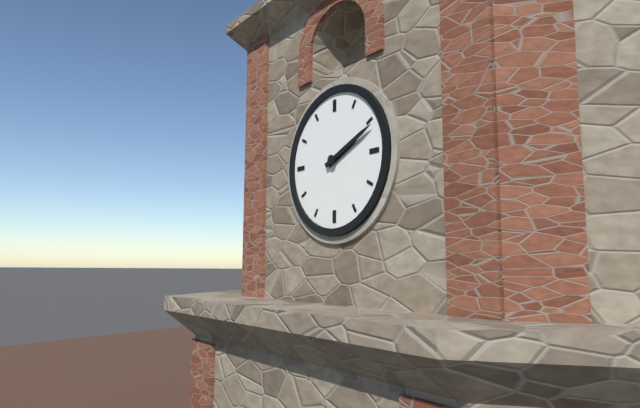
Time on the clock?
2:11
